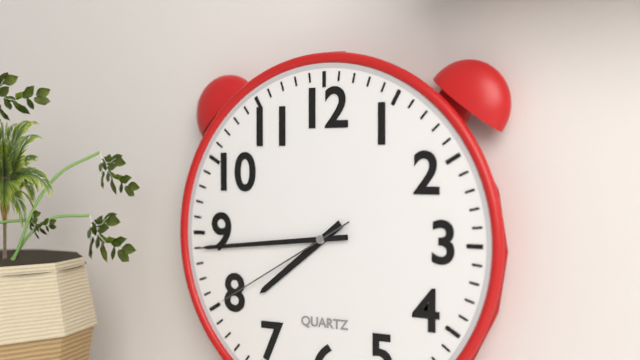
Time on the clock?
7:44:40
